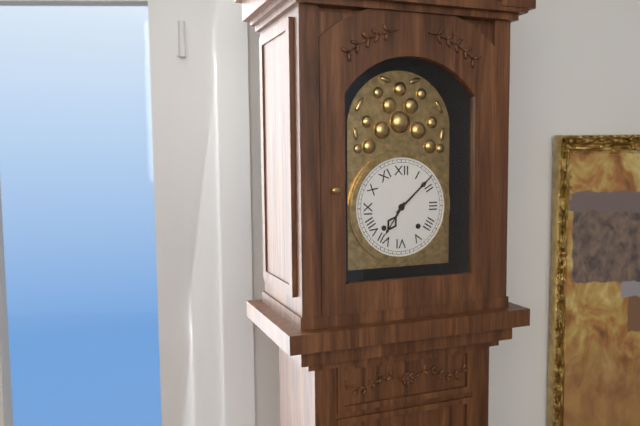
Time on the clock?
7:08
